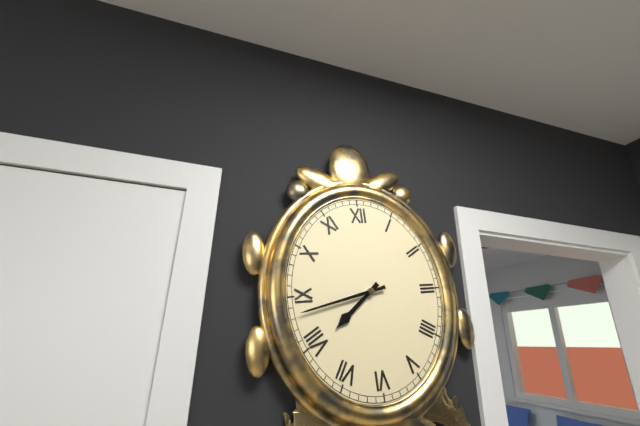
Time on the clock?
7:43
